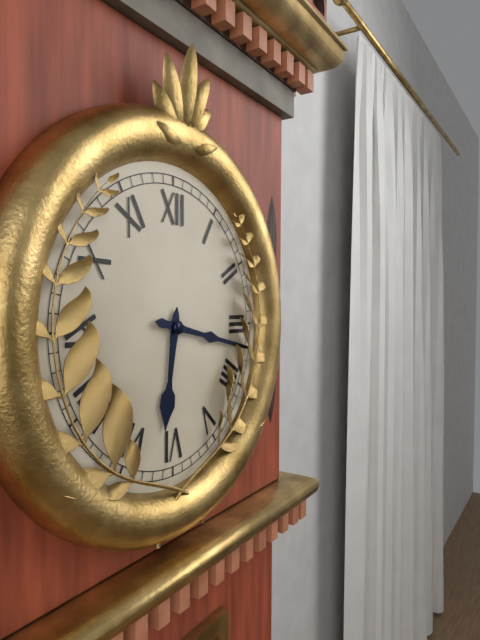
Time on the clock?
6:17
